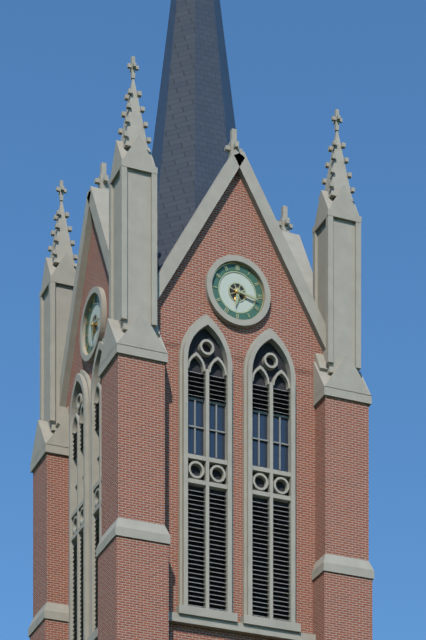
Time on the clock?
6:17
